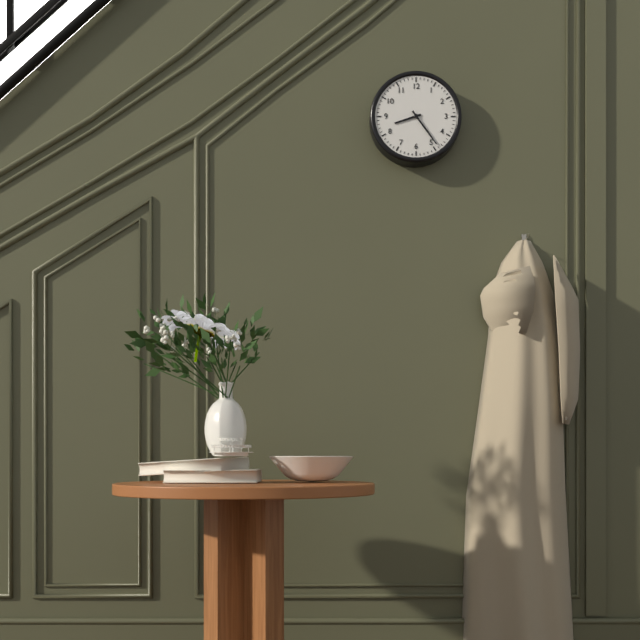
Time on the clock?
8:24
